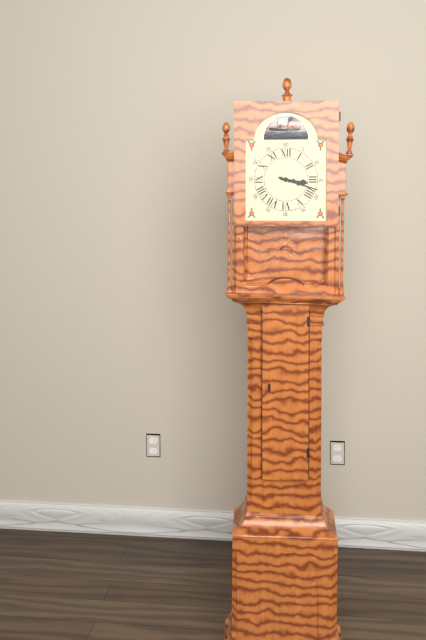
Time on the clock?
3:18
